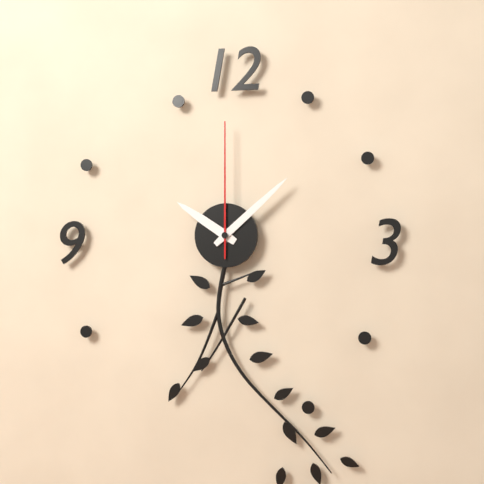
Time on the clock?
10:08:00
